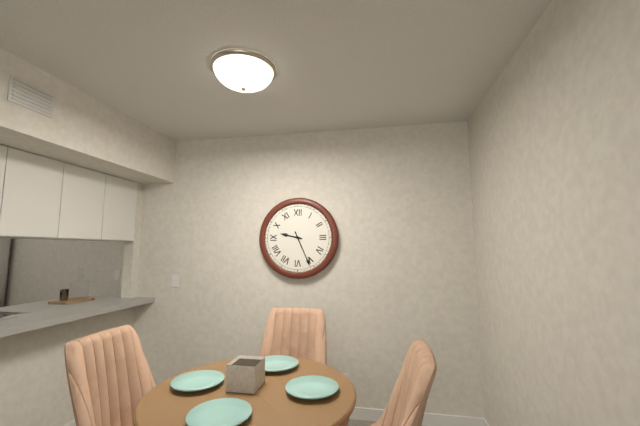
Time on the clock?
9:26
